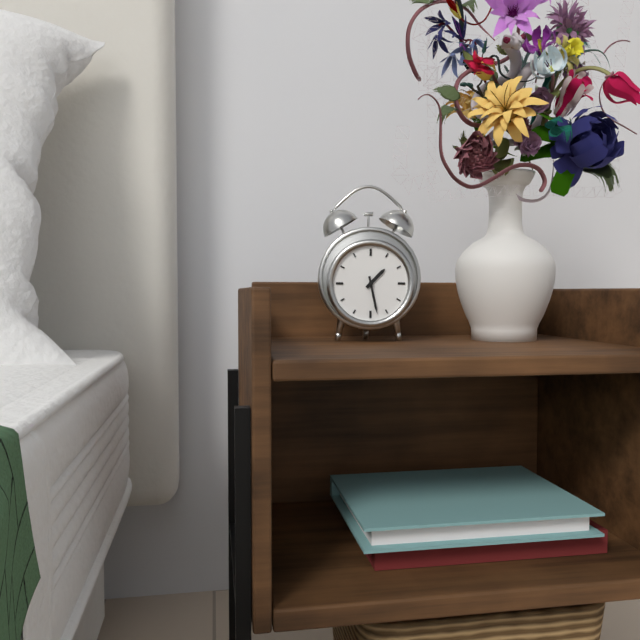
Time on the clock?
1:28
